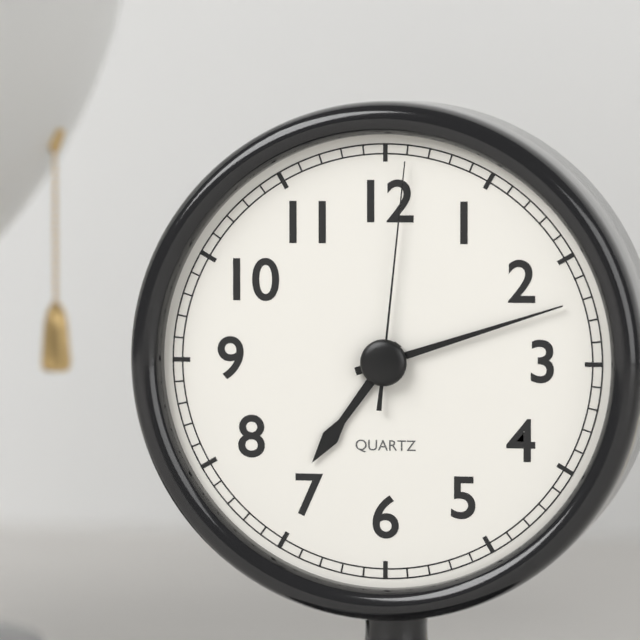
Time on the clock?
7:12:01
